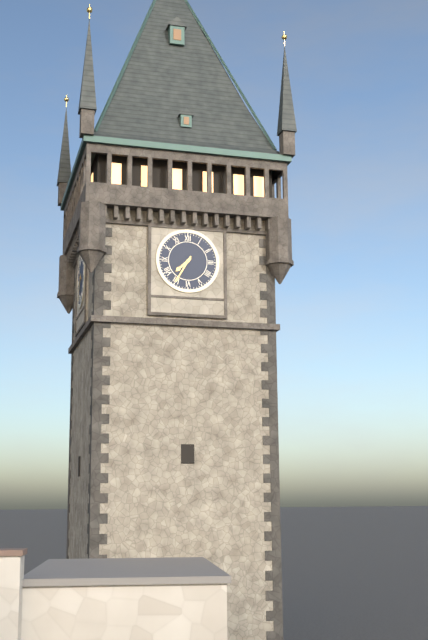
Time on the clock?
7:35
